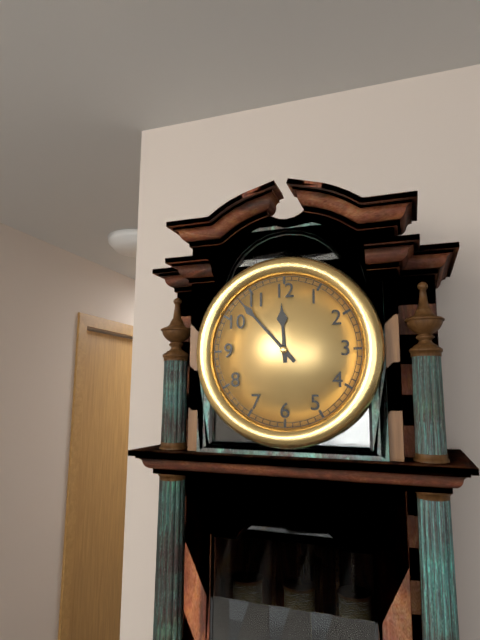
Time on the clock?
11:53
